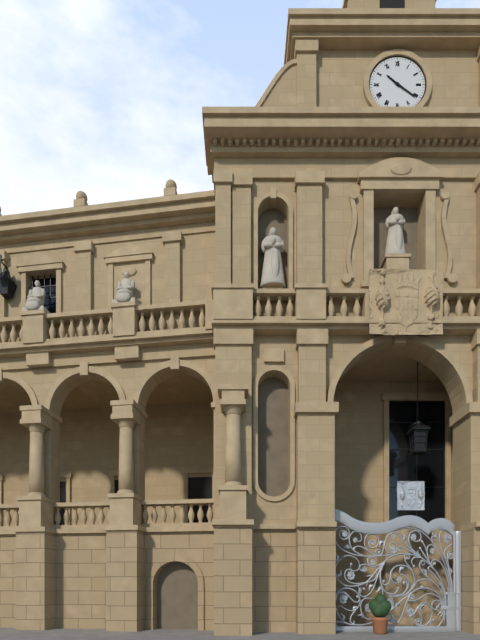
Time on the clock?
10:21
